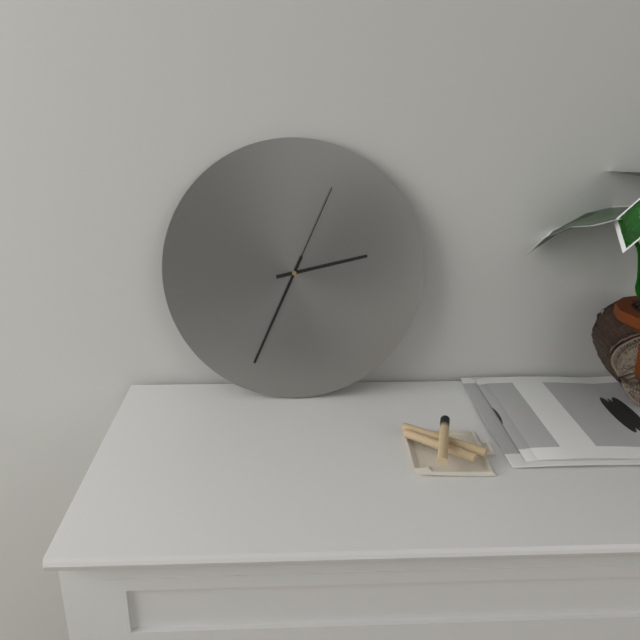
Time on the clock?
2:34:04
